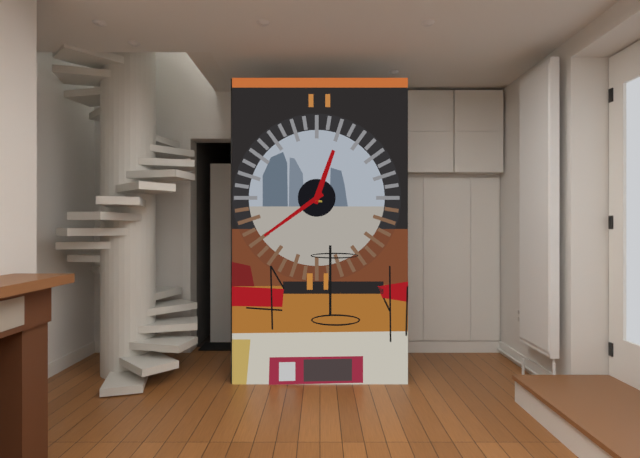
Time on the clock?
12:39
